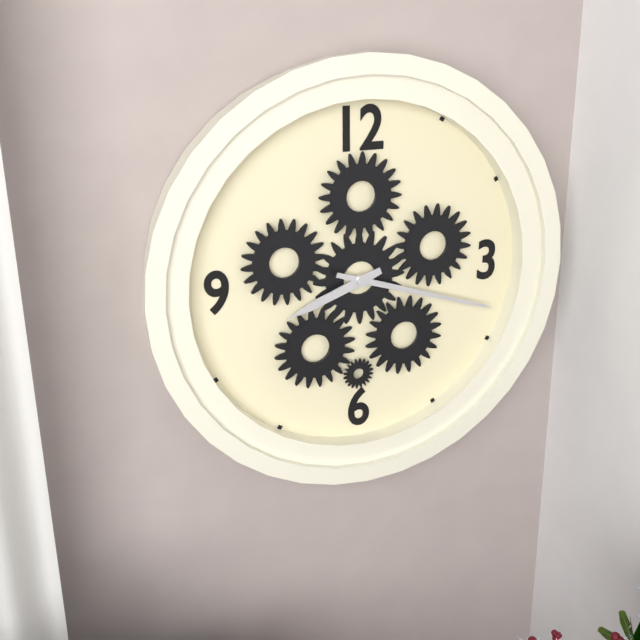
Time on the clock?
8:18
